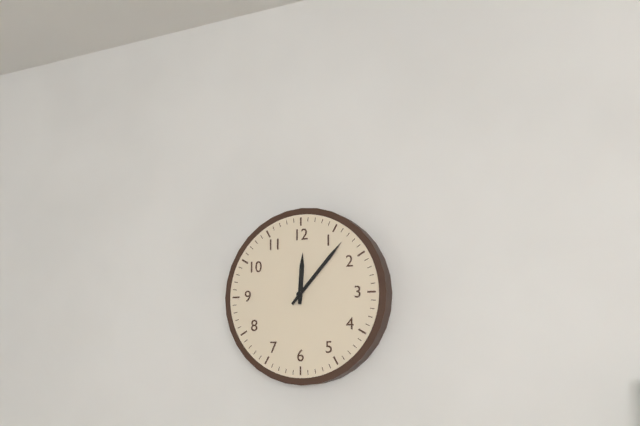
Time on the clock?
12:07
